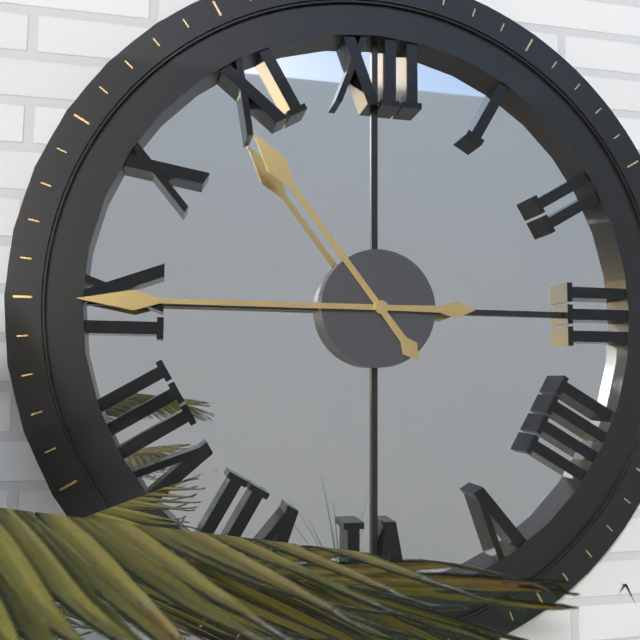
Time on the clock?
10:45
